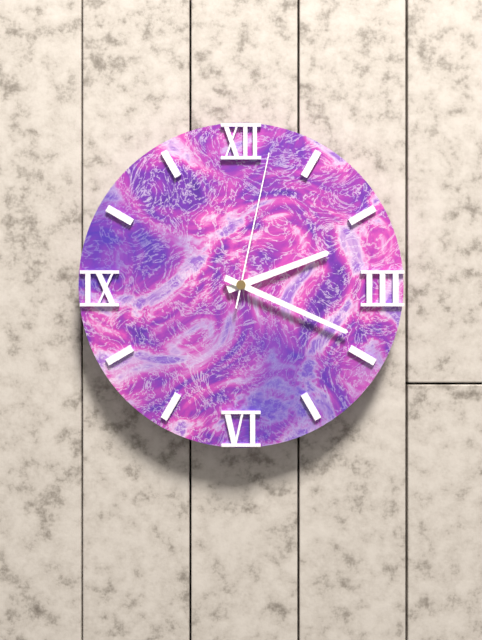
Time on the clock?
2:19:02
